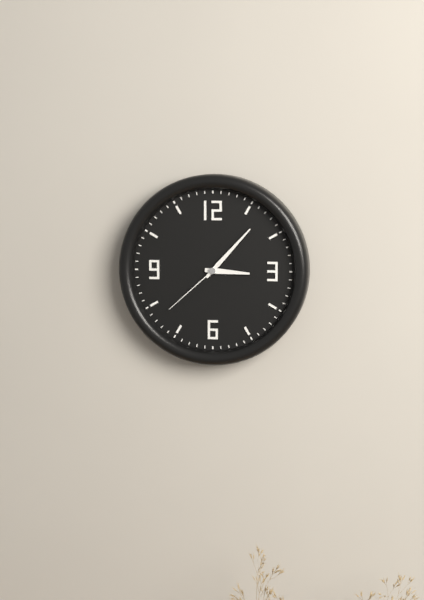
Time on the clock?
3:07:38
